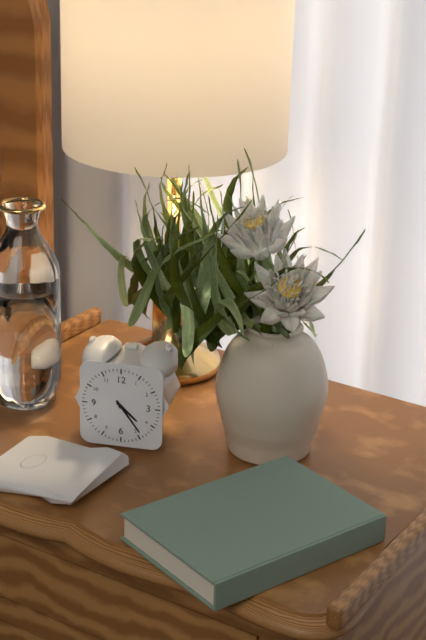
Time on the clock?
4:24
